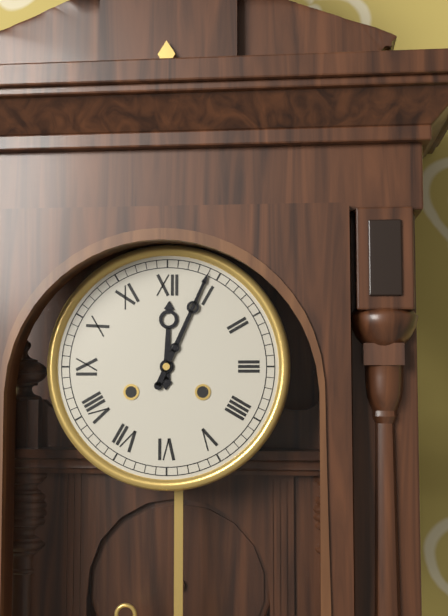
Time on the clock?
12:04
